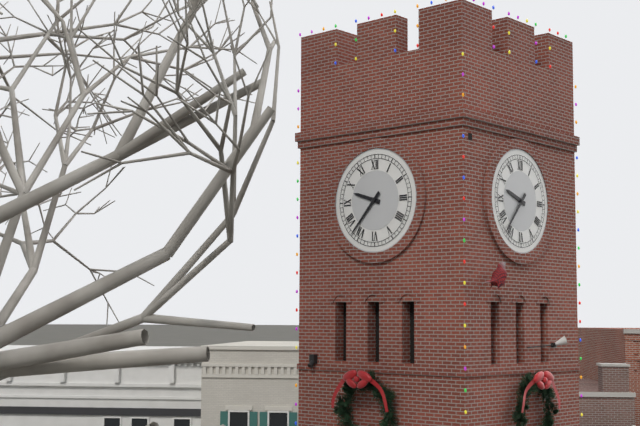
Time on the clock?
9:37
